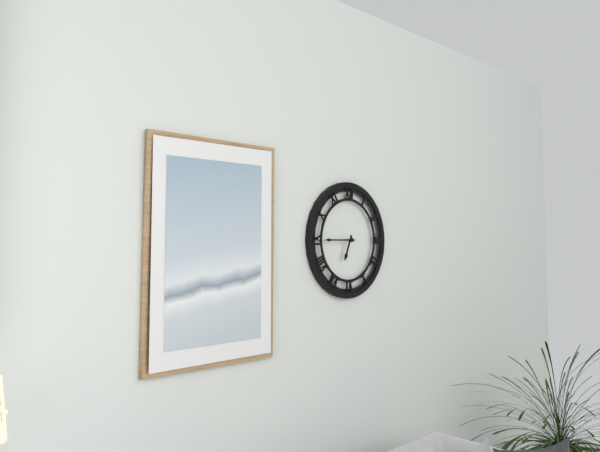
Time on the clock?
6:45
